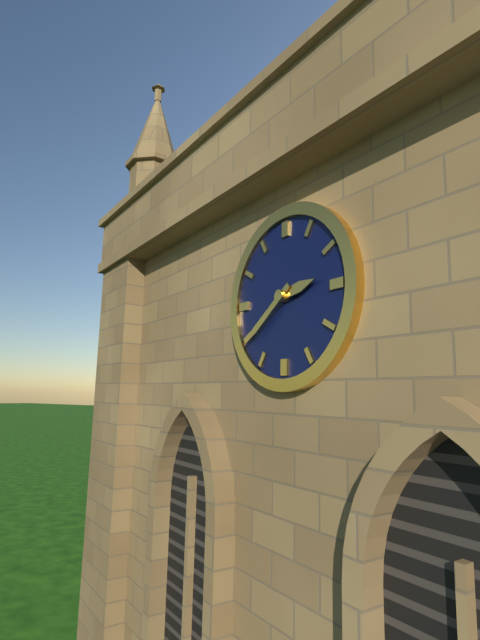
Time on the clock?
2:39
